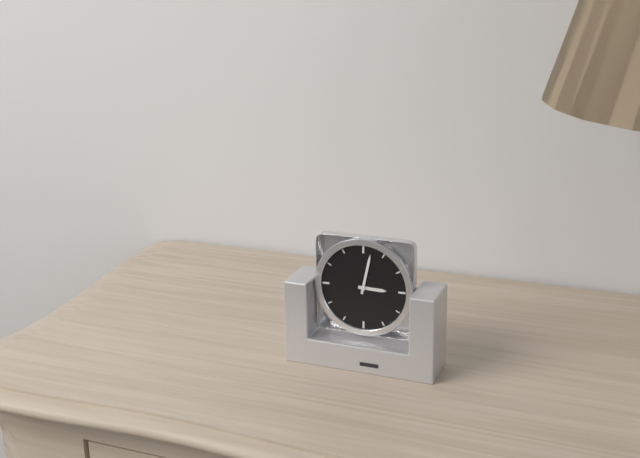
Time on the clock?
3:02
